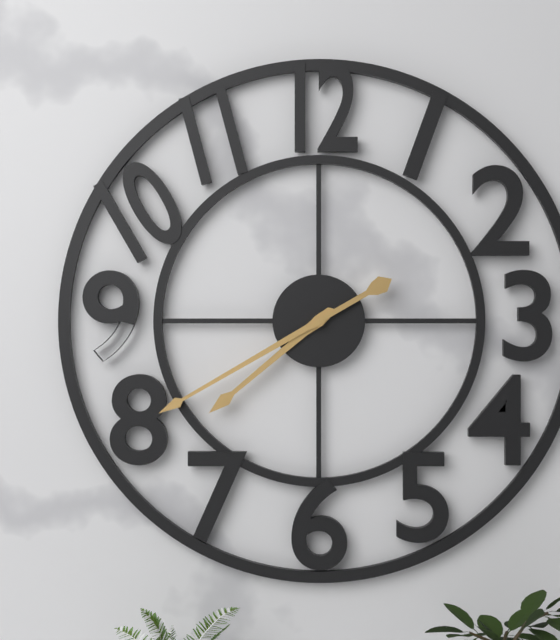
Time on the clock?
7:40
